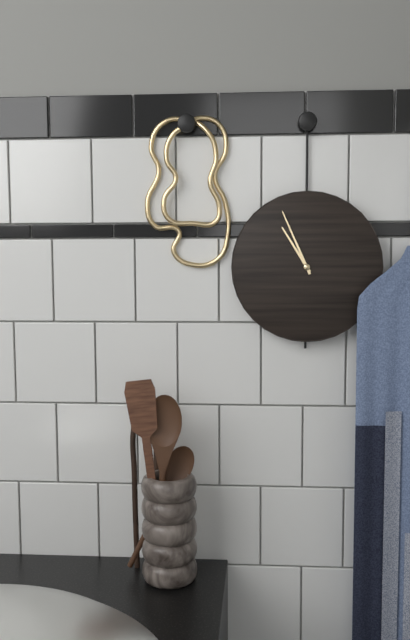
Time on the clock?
10:56
